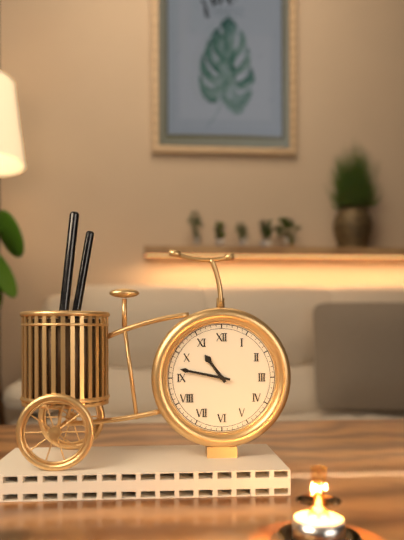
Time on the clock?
10:47
